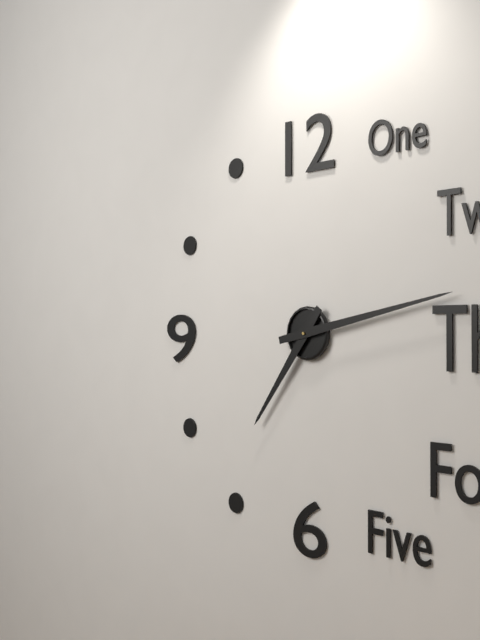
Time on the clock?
7:13
